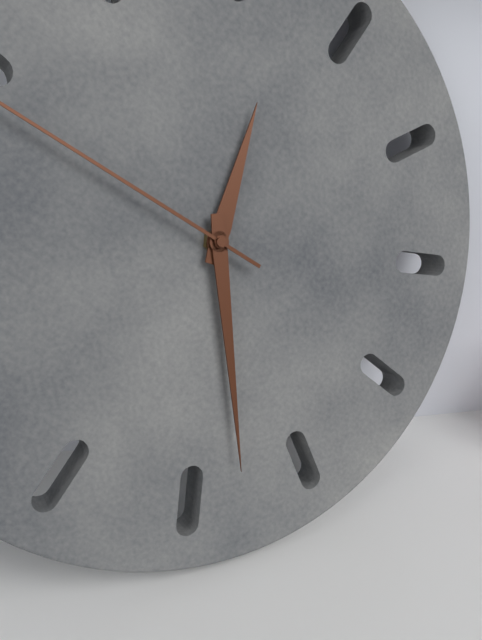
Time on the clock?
11:23
